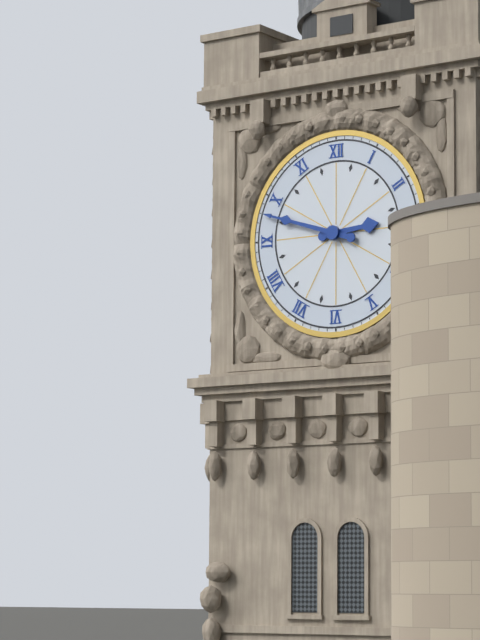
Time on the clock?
2:48
